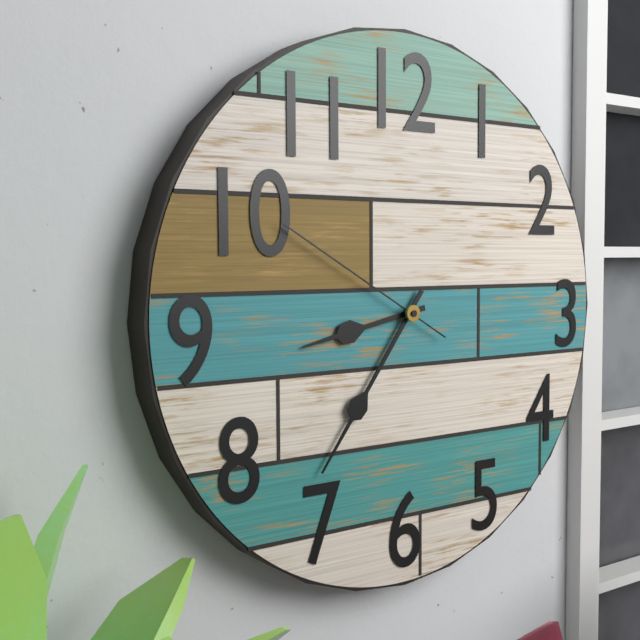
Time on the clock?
8:36:50
